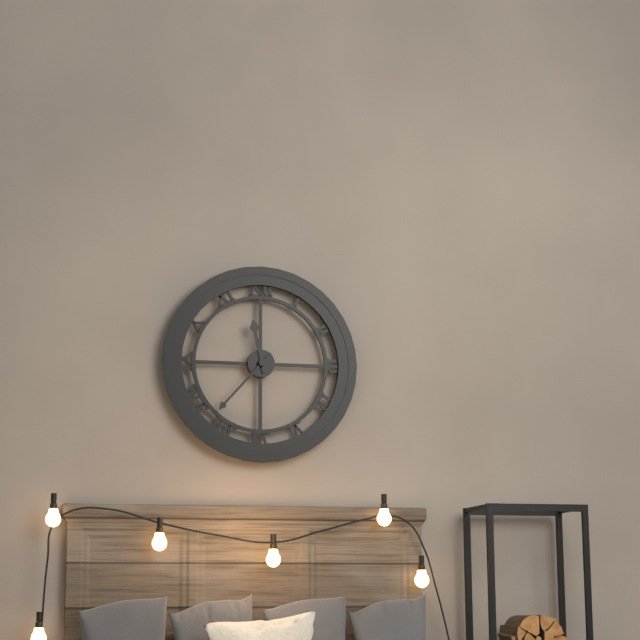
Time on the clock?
11:37
